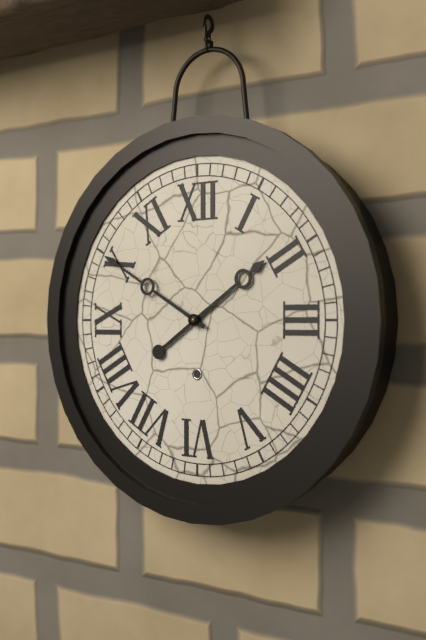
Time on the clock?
1:50
